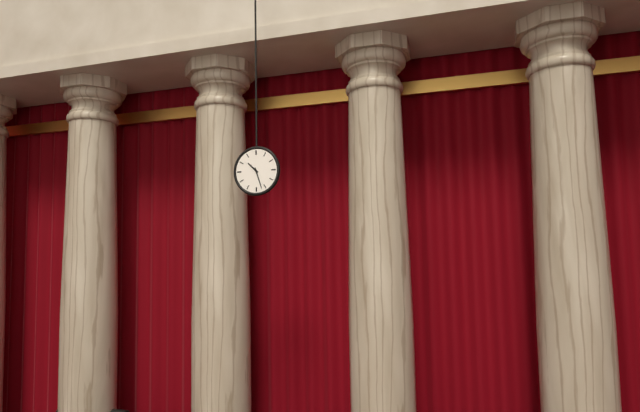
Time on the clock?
10:27
